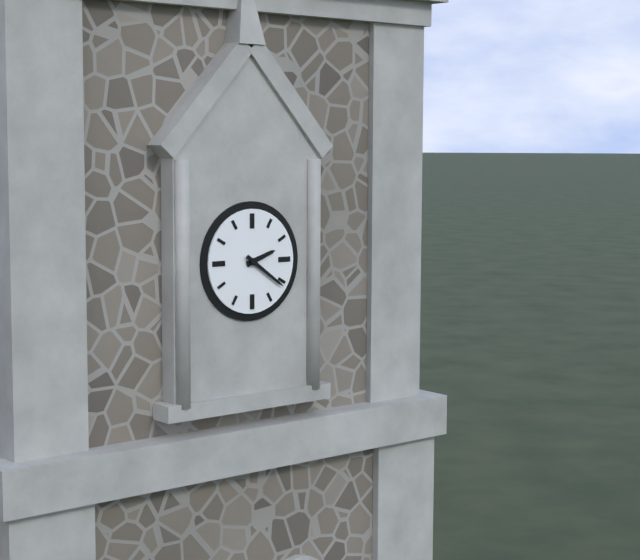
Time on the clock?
2:21
